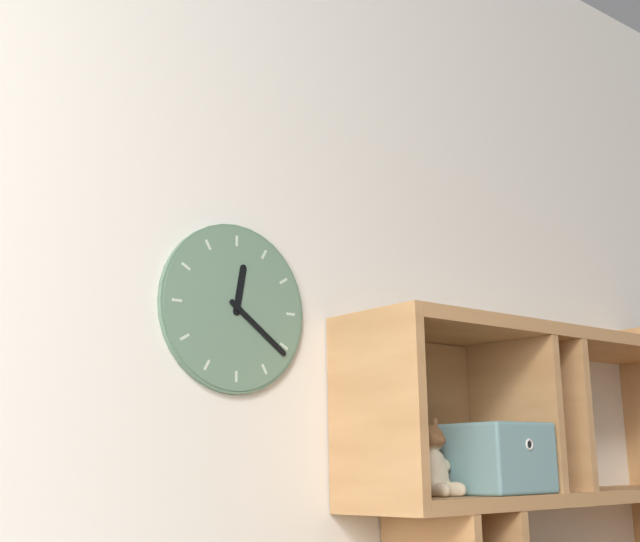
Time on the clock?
12:21
